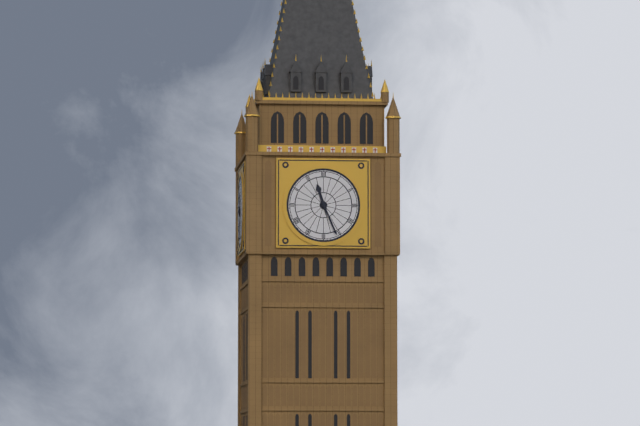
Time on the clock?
11:26
